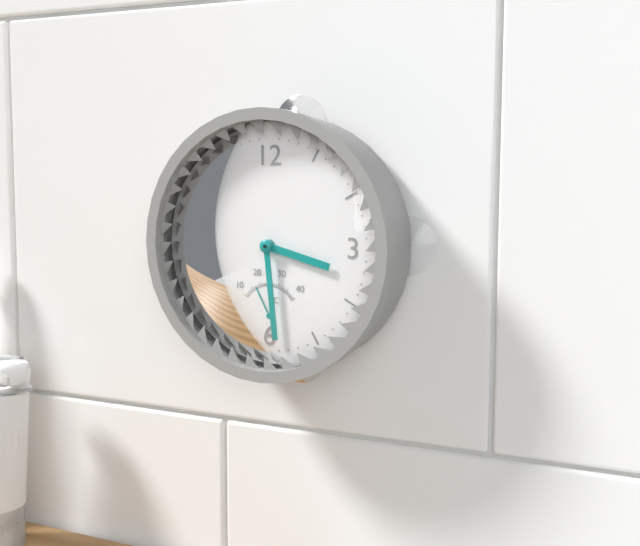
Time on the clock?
3:29
